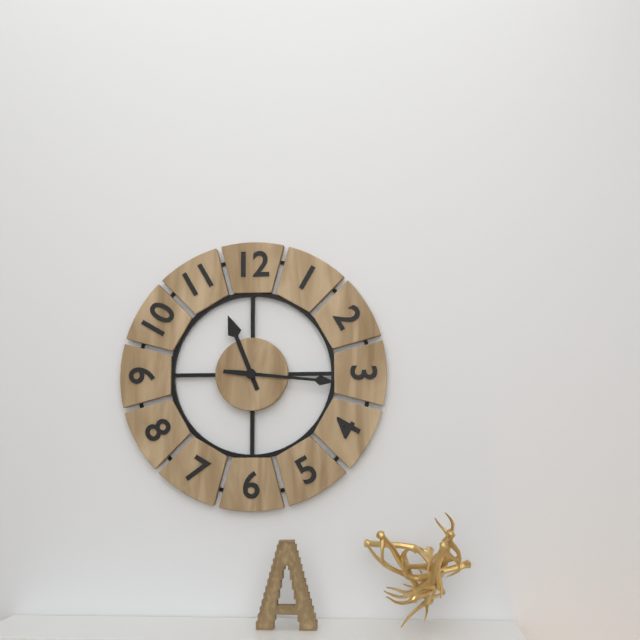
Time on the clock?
11:16
